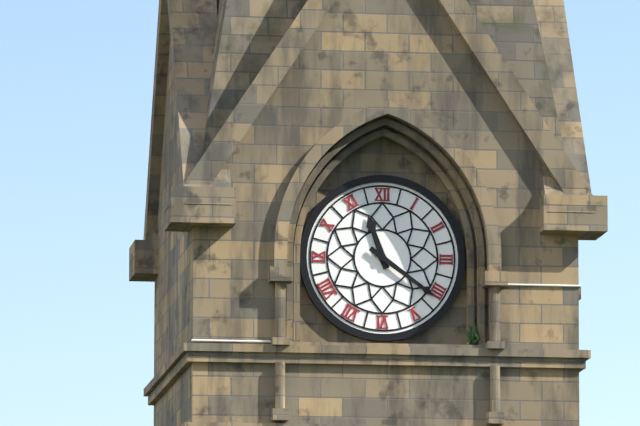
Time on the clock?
11:21
